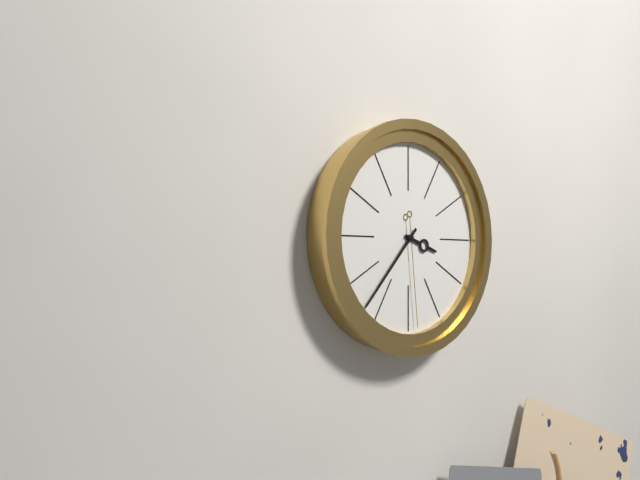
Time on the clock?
3:37:29
